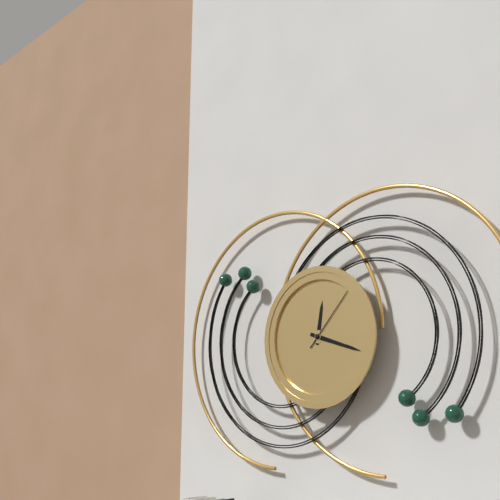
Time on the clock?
12:18:07
